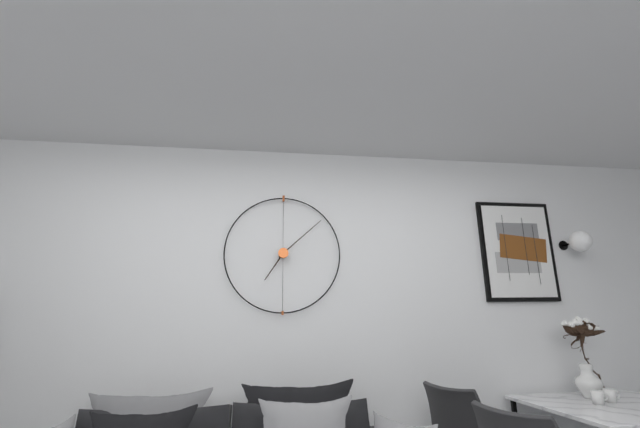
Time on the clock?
7:08
